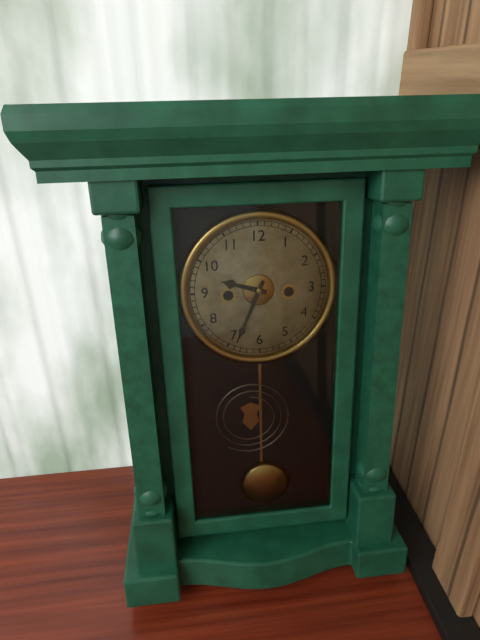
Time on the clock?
9:34
